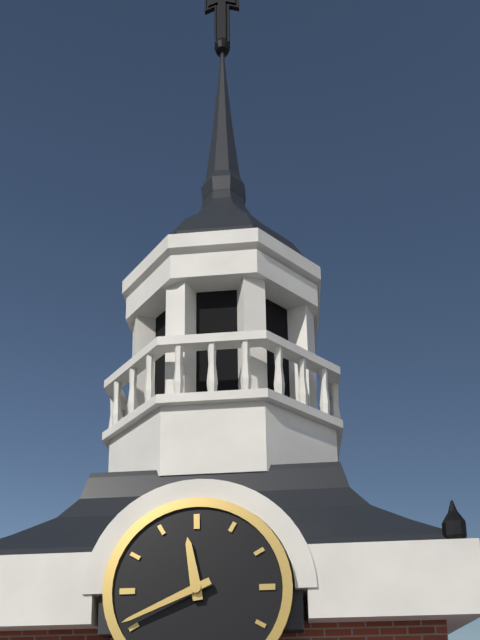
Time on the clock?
11:41
